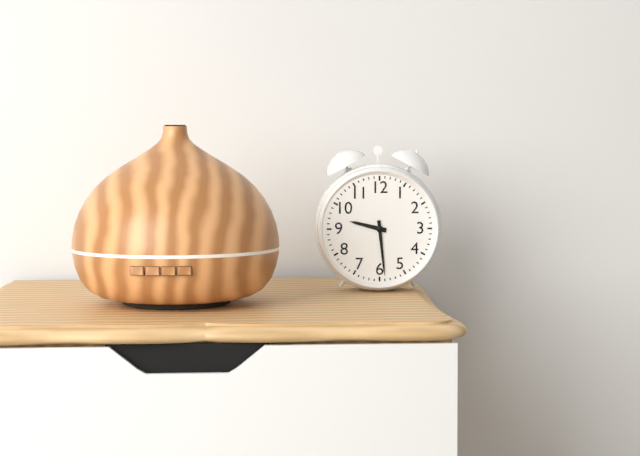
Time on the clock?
9:29
